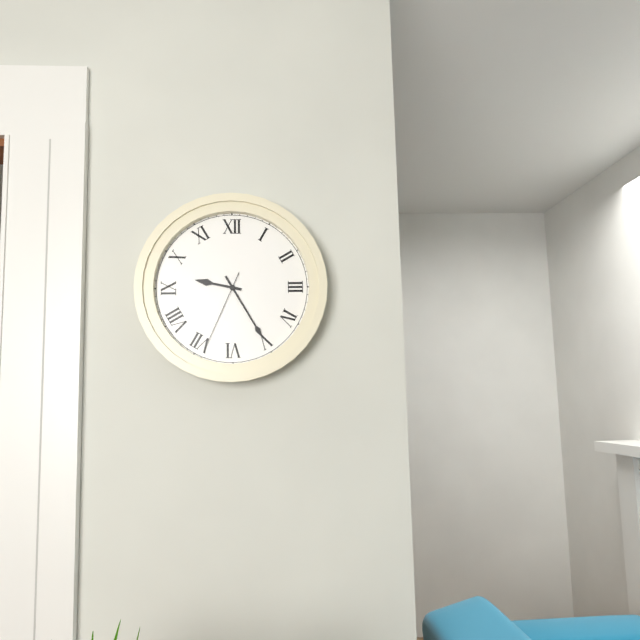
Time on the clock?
9:25:34
